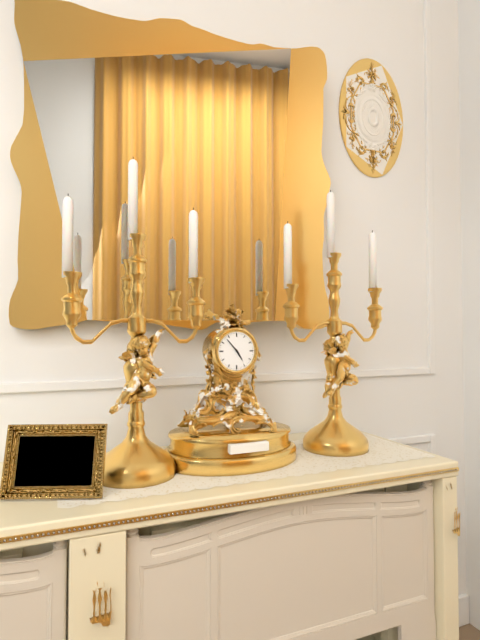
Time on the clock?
4:53
